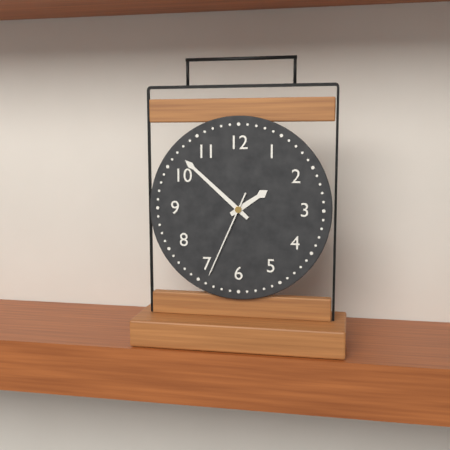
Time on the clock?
1:52:34
